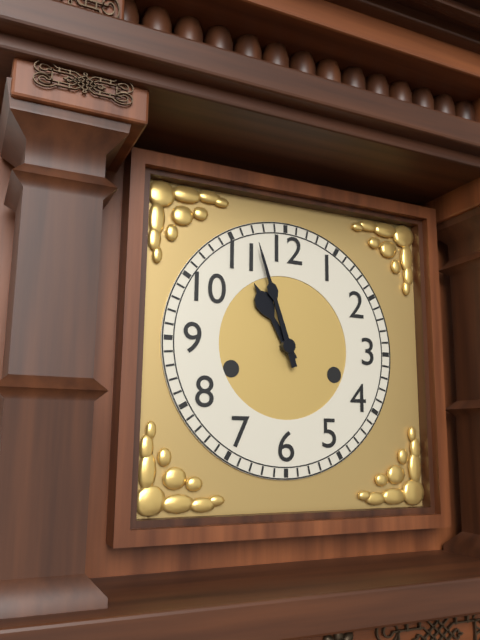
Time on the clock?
10:57
